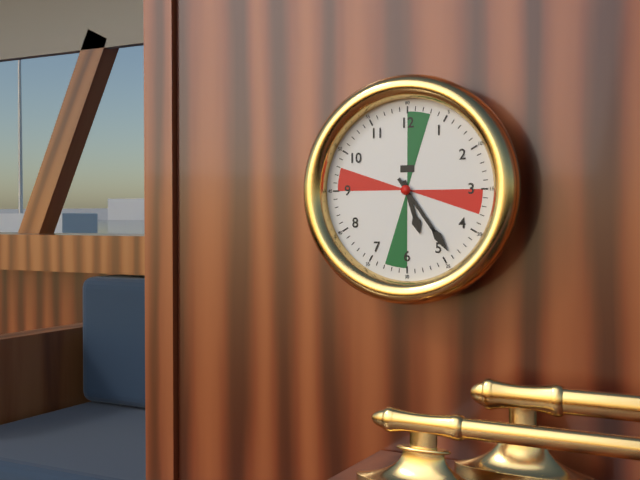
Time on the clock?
5:24
